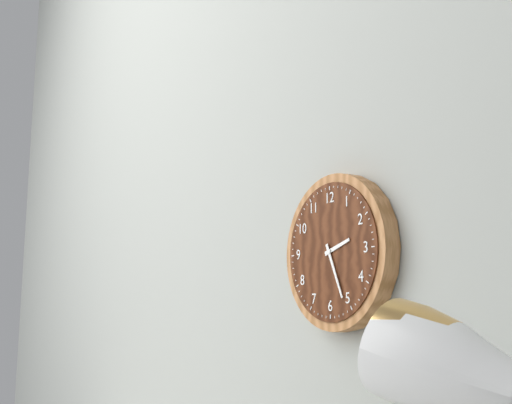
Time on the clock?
2:26
